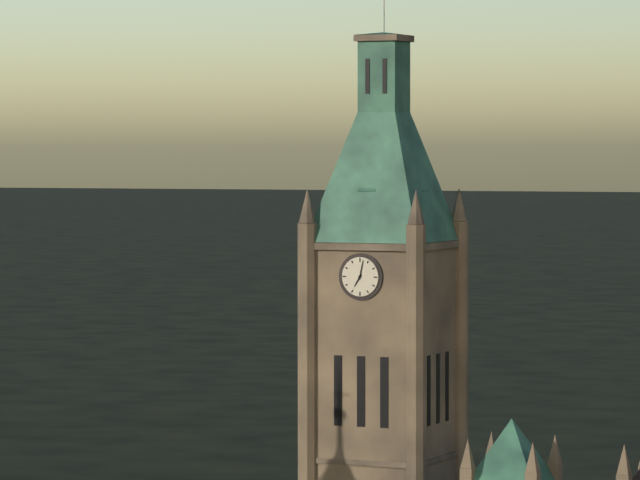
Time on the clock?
7:02
